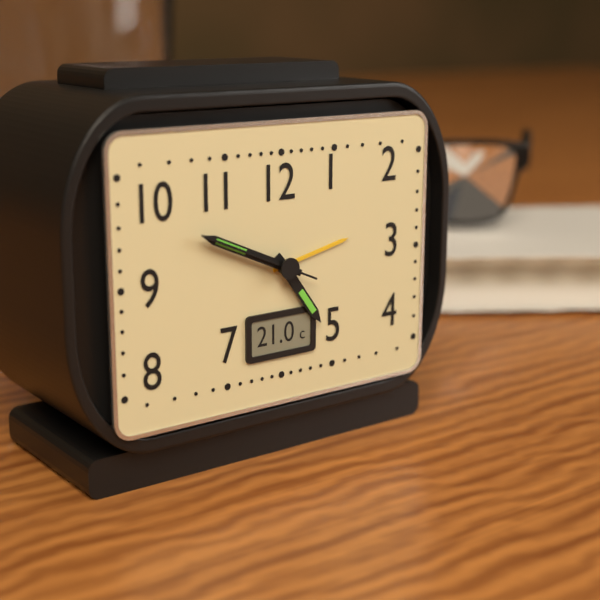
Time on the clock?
4:49:49
